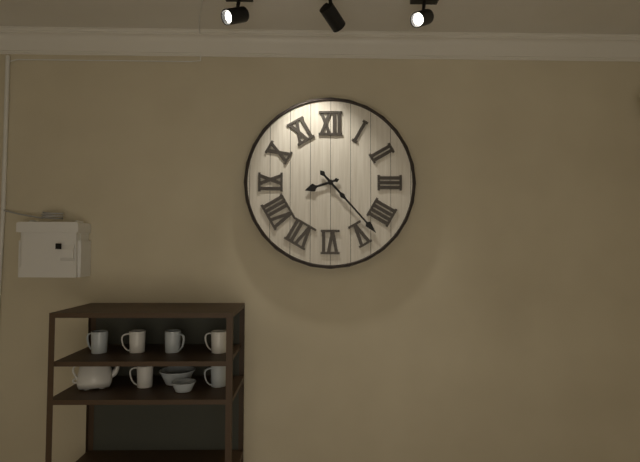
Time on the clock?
8:23
